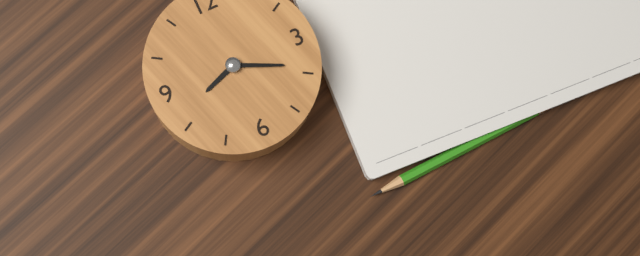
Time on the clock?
8:19
